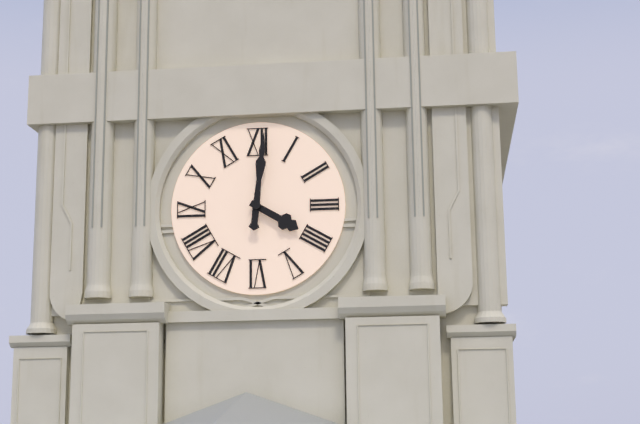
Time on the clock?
4:01
